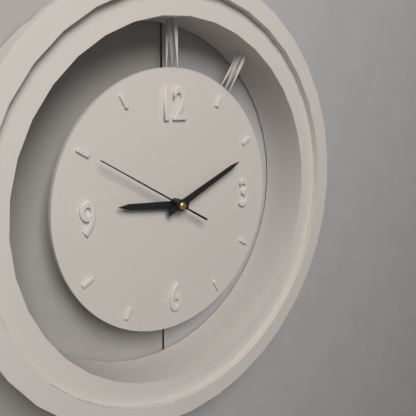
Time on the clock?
9:11:50
